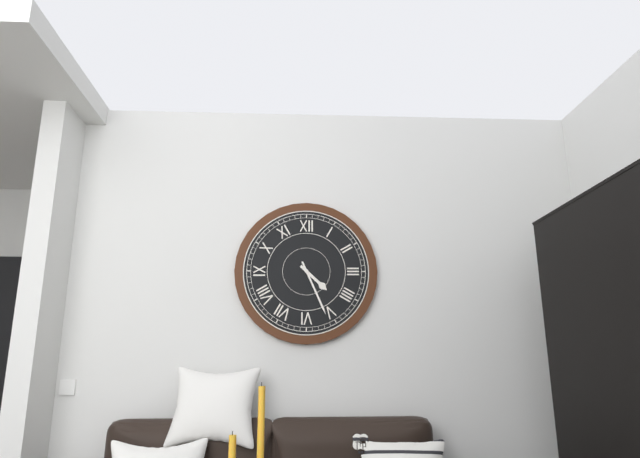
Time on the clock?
4:26
